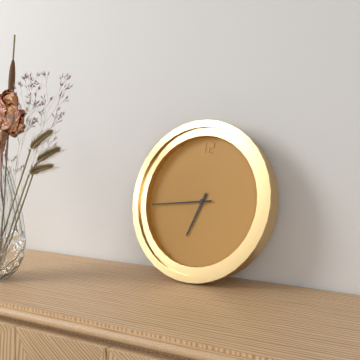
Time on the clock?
6:44
